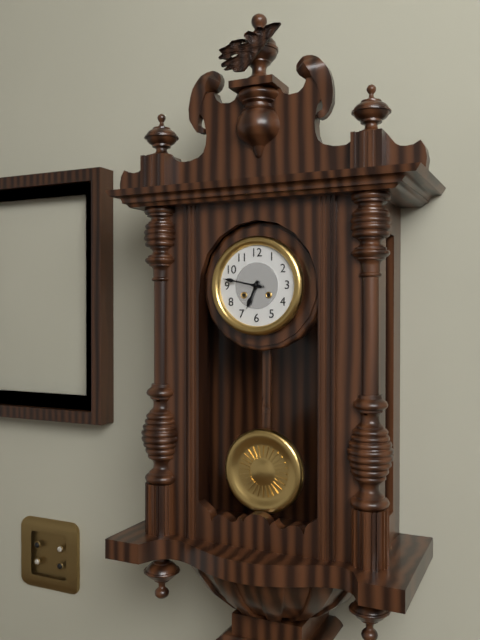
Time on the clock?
6:47
